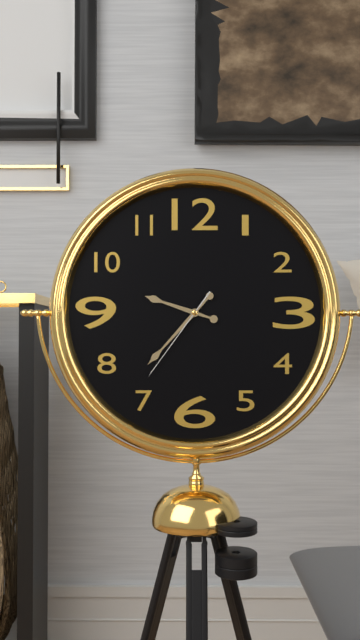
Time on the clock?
9:37:36
